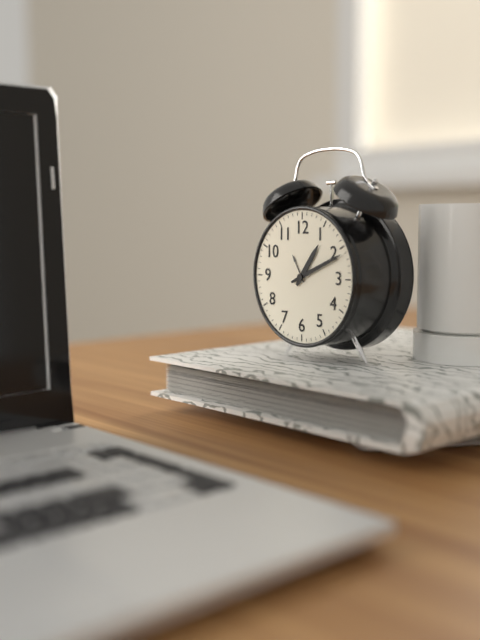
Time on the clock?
1:11
